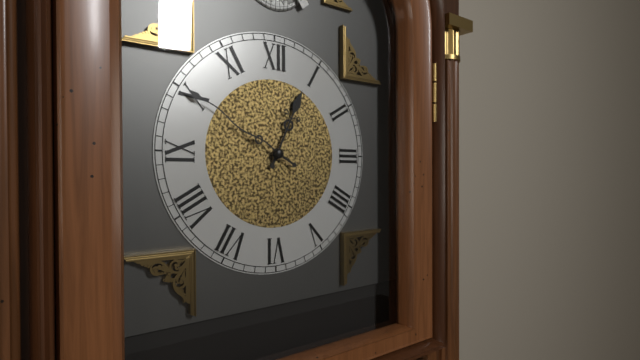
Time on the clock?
12:50
